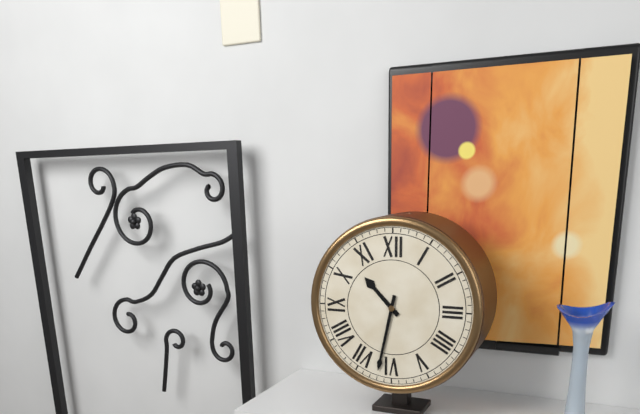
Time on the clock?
10:32
